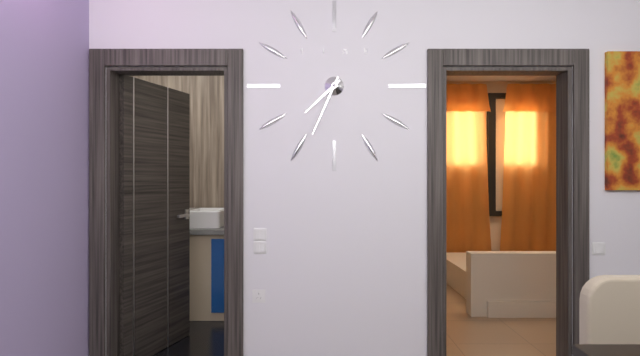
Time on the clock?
7:34
